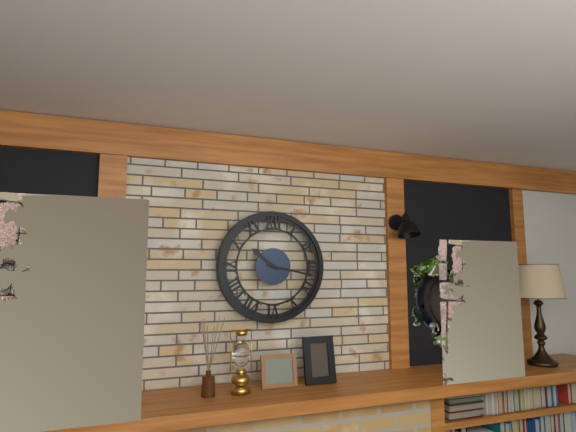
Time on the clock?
10:17
